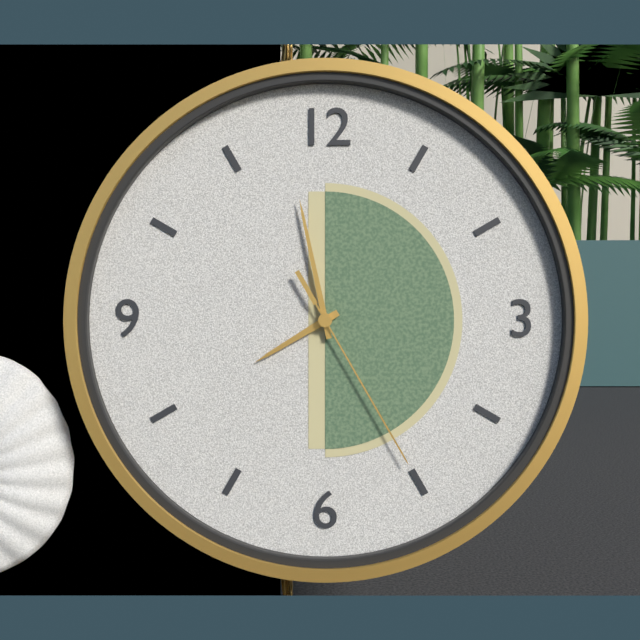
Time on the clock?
7:58:25
